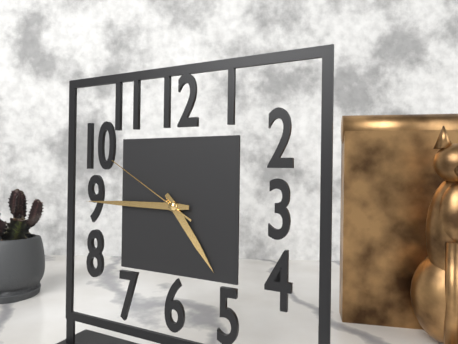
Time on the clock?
4:45:50
